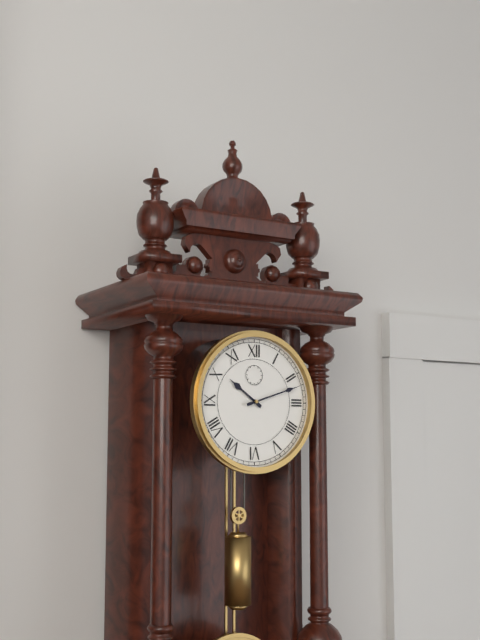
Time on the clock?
10:12
